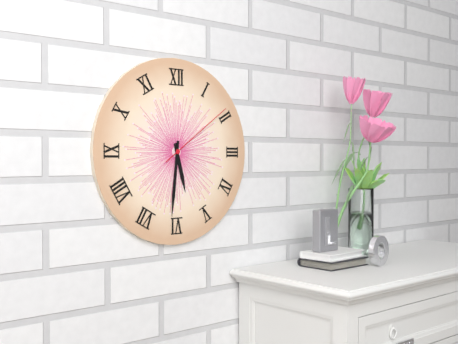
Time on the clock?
5:31:09
